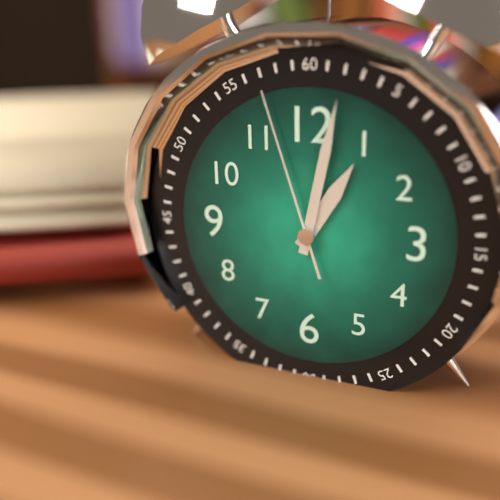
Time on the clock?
1:02:57
